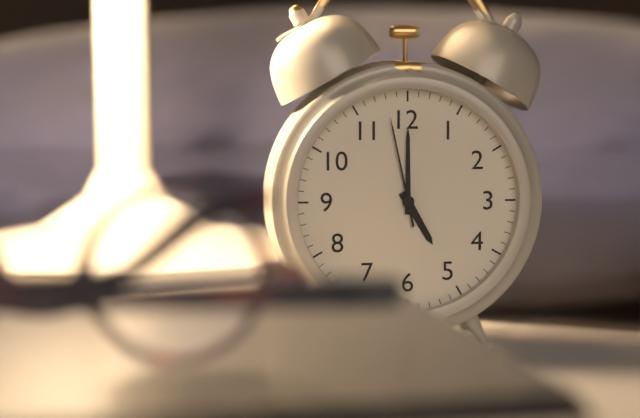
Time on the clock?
5:00:58
